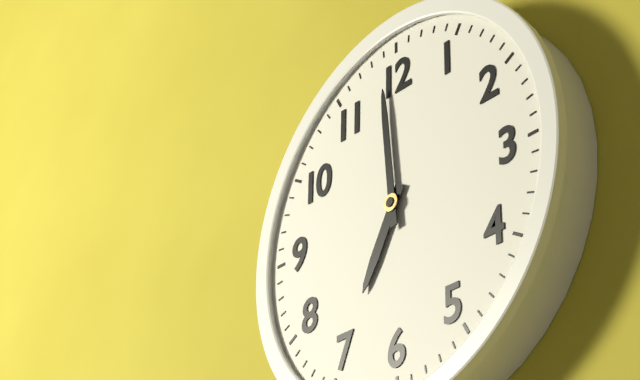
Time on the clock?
6:59
